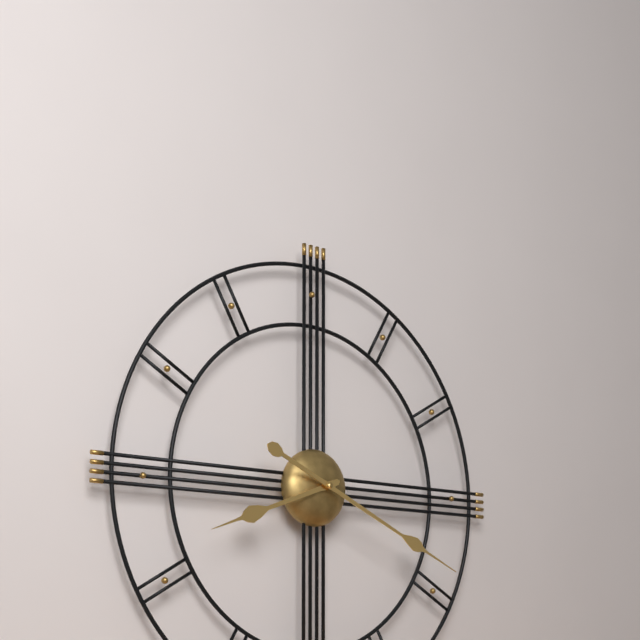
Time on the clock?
8:19
